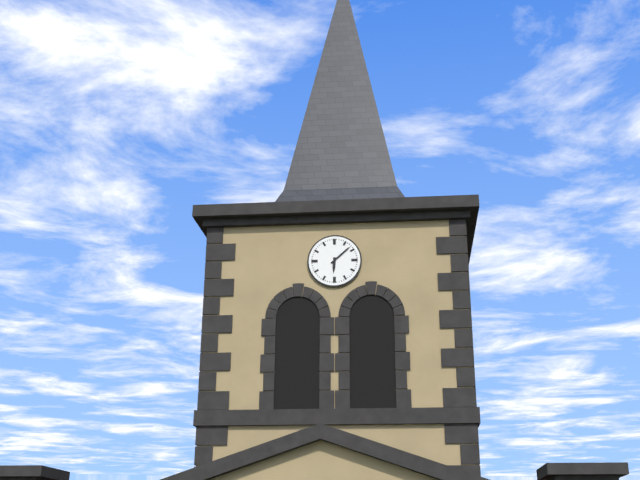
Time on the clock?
6:08
